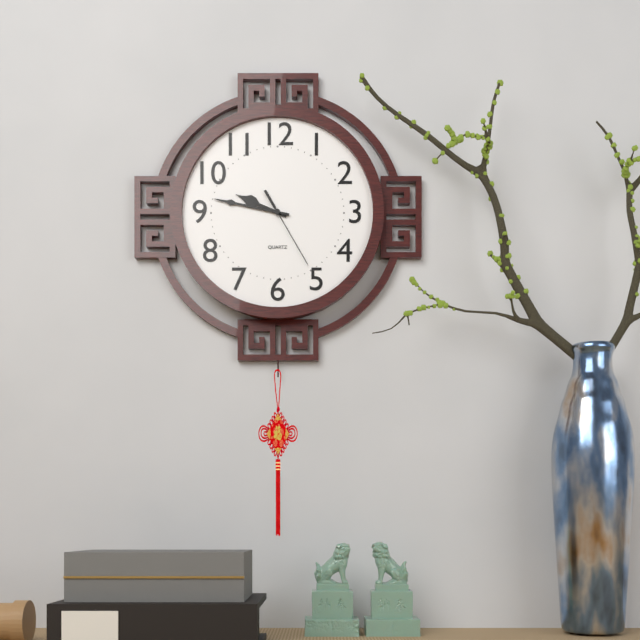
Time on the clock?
9:47:25
